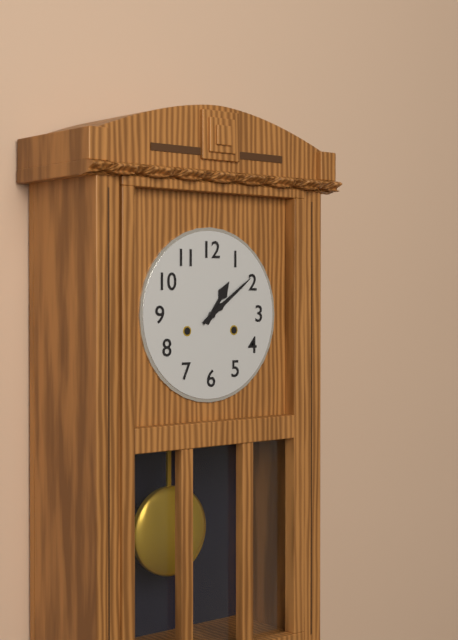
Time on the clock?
1:09
